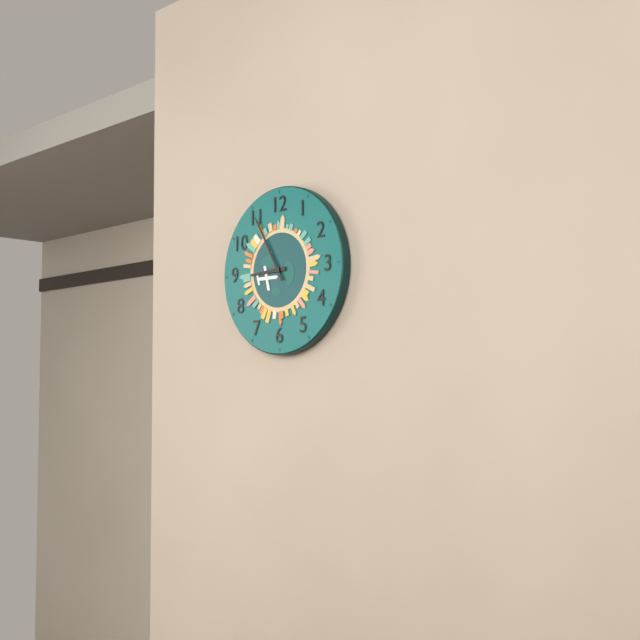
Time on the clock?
8:55
